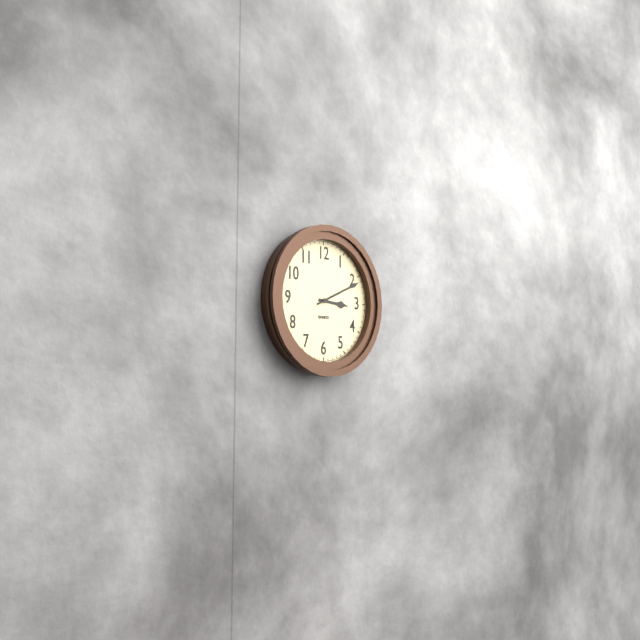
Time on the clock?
3:11
